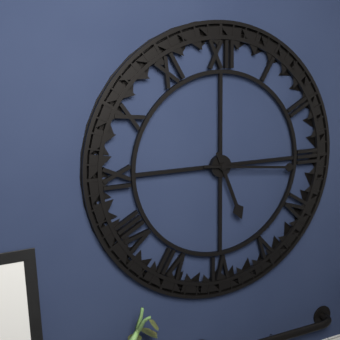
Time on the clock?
5:16
